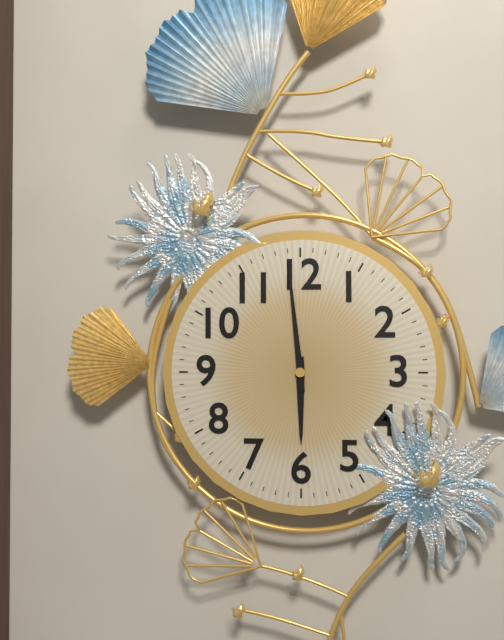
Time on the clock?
5:59
